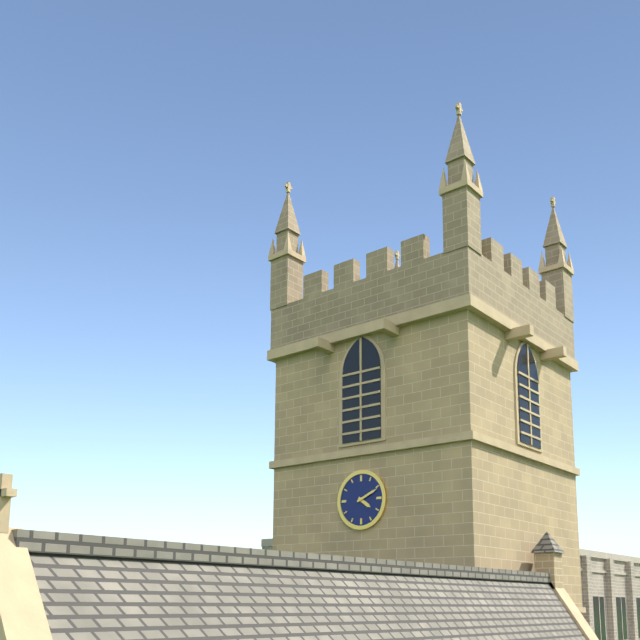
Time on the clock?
4:11
